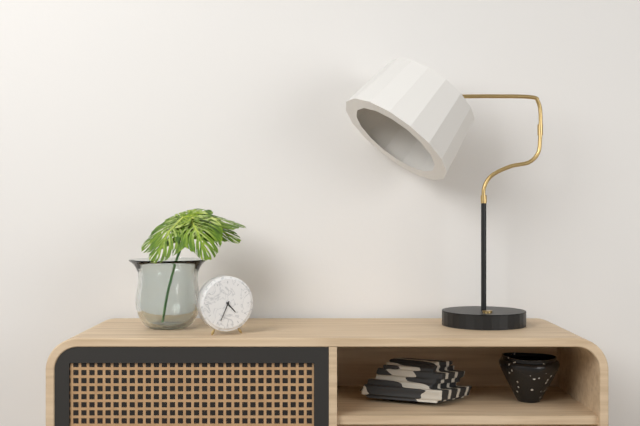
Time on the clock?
4:34
